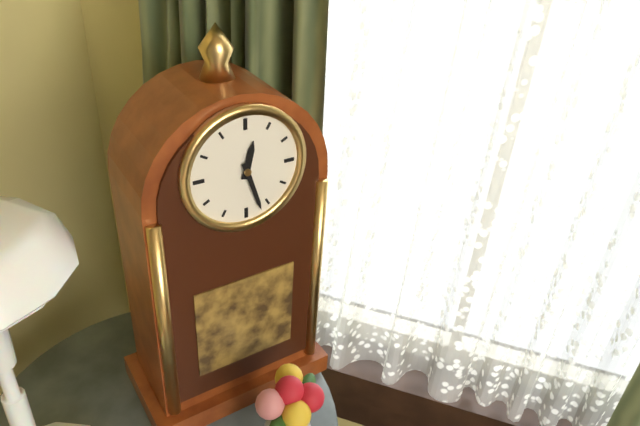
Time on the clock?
12:27
